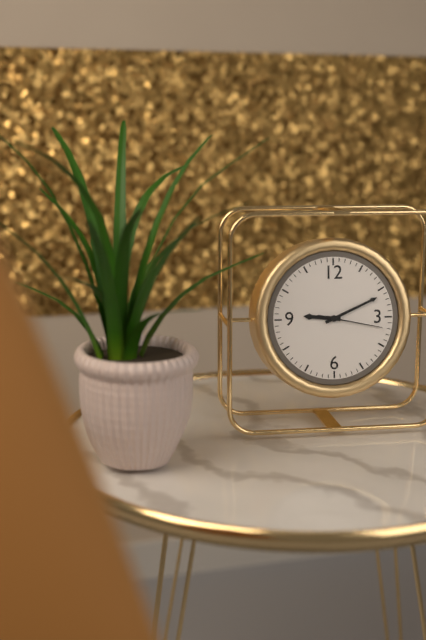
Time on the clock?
9:11:17
